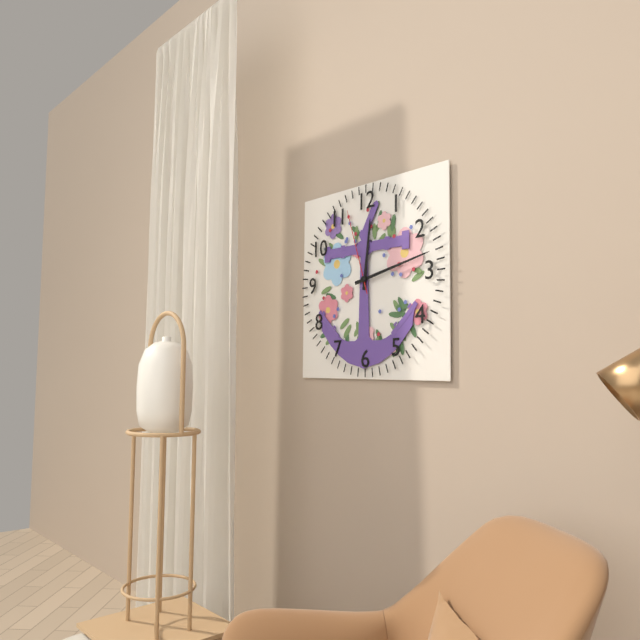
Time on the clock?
12:13:57
